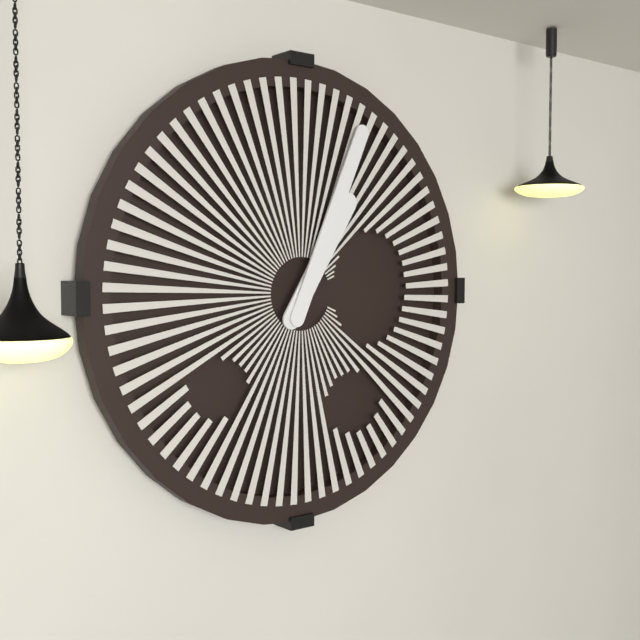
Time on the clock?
1:04
